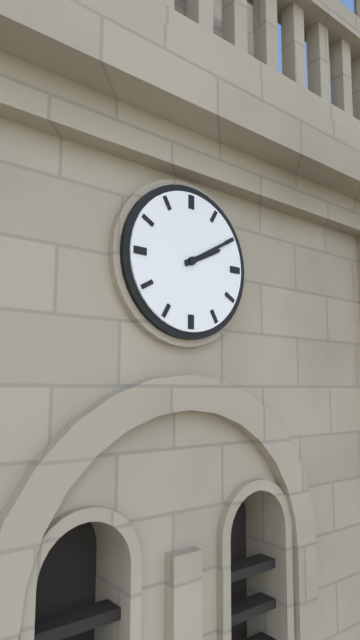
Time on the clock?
2:10
